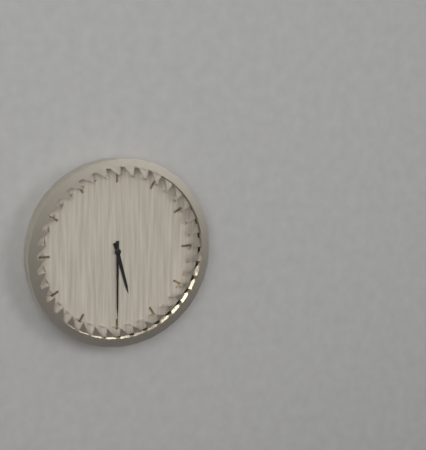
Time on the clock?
5:30
